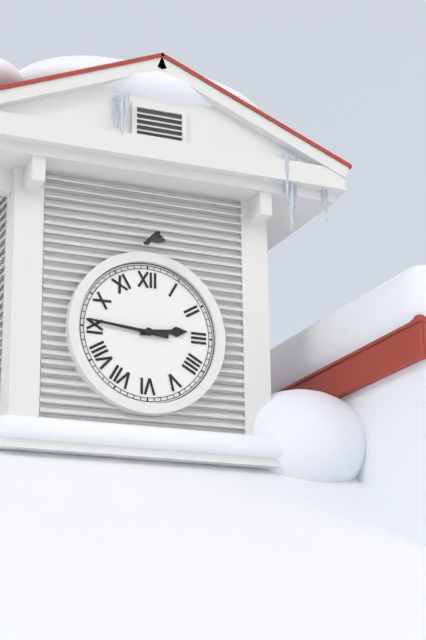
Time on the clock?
2:46
